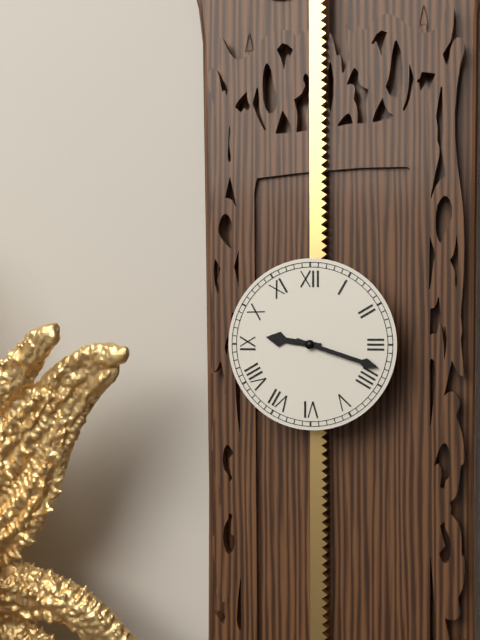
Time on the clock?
9:18
